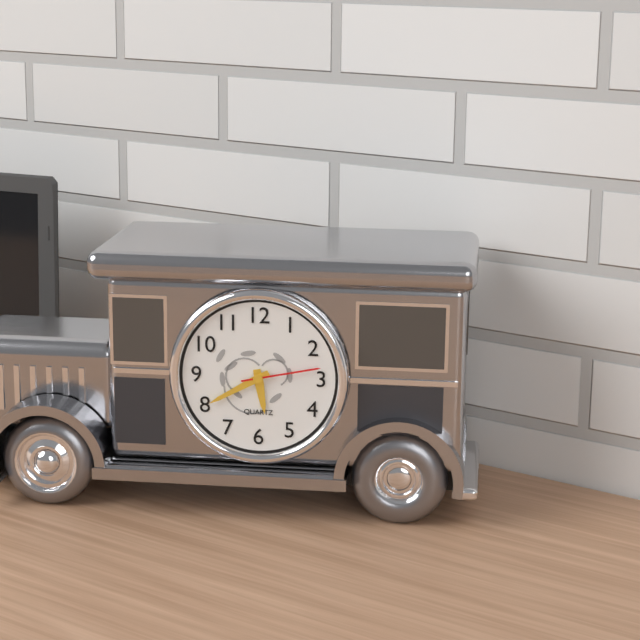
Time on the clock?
5:40:13
